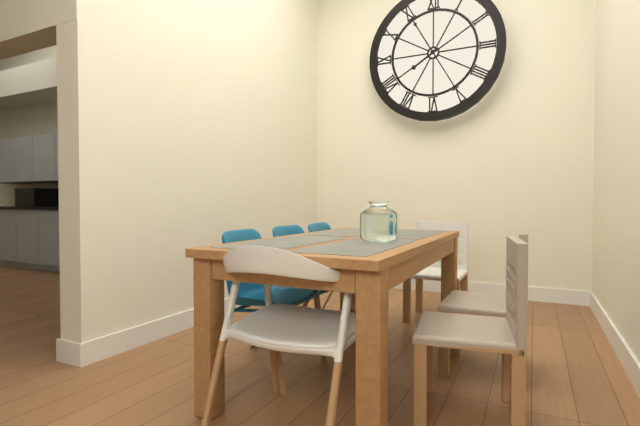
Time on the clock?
7:55
